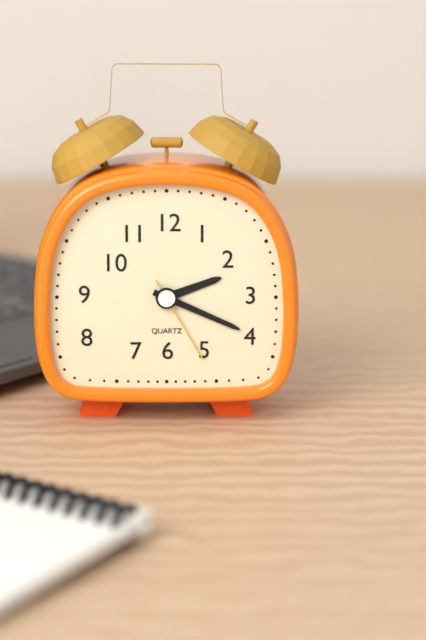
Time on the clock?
2:19:25
